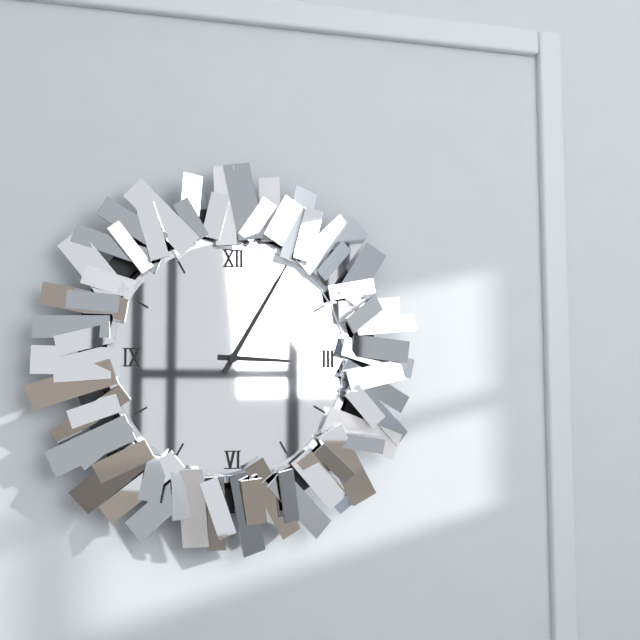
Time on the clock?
3:05
